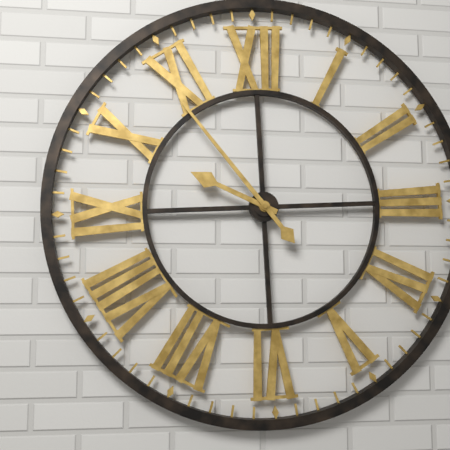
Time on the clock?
9:54
